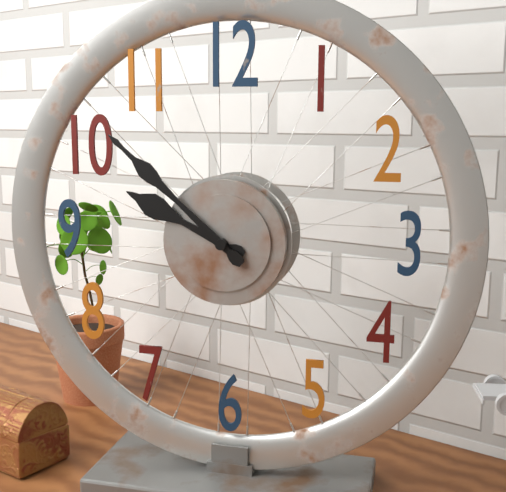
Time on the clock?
9:52
